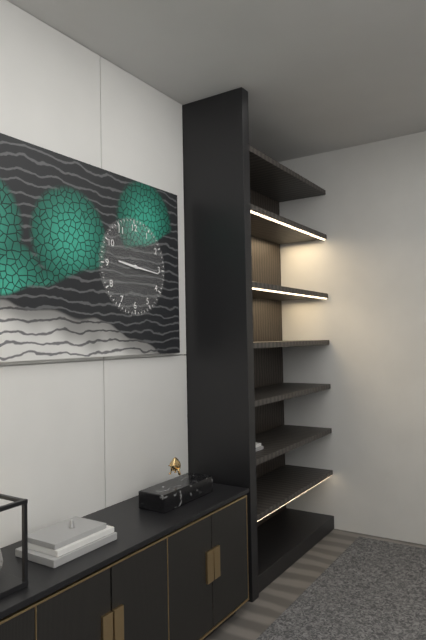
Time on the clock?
9:16
